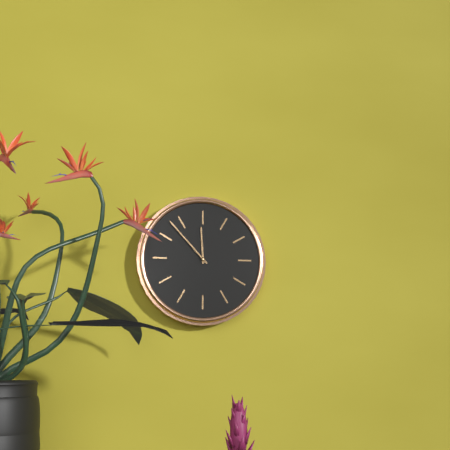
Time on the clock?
11:53
